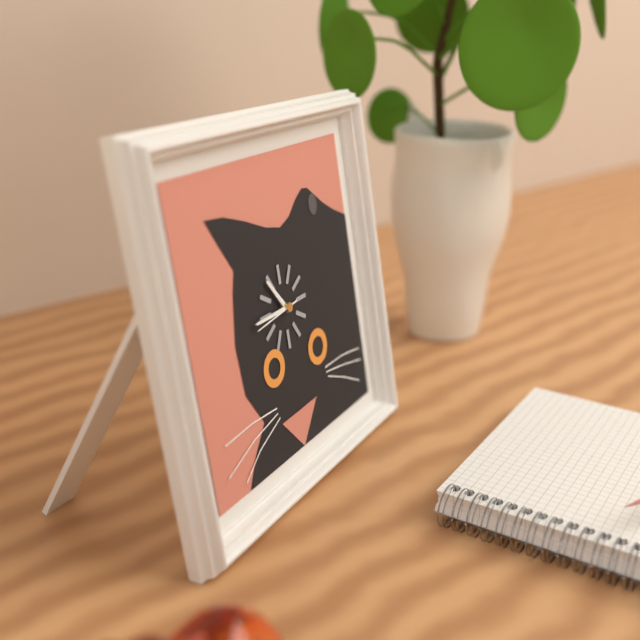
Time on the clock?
10:45
